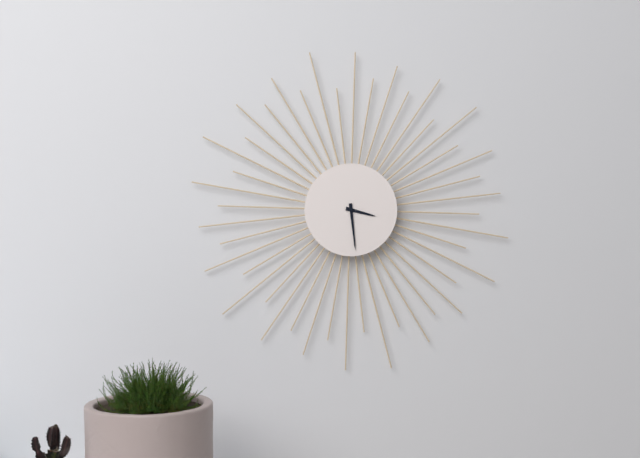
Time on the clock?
3:29
